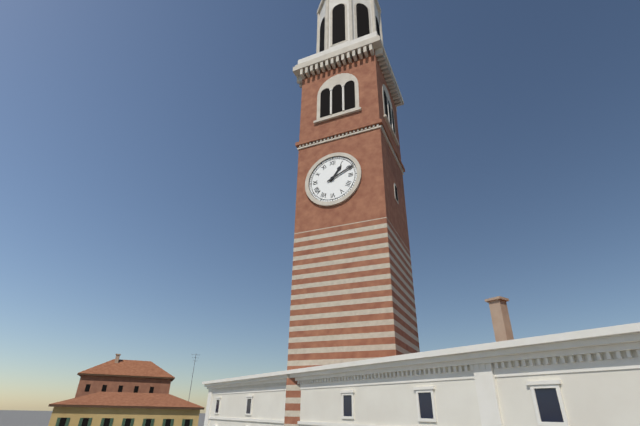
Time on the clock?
1:11
